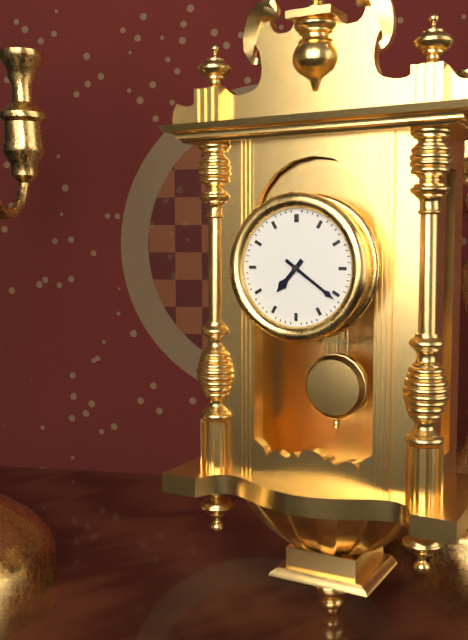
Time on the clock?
7:21
